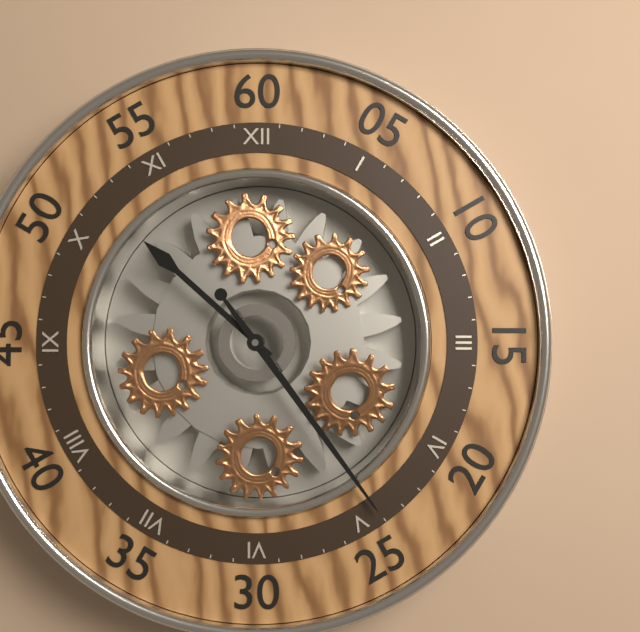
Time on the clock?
10:24
